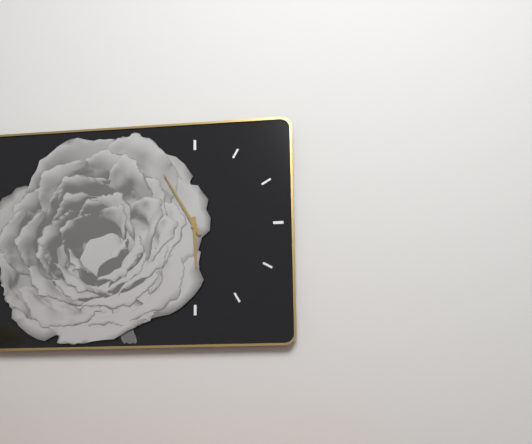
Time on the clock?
5:55
